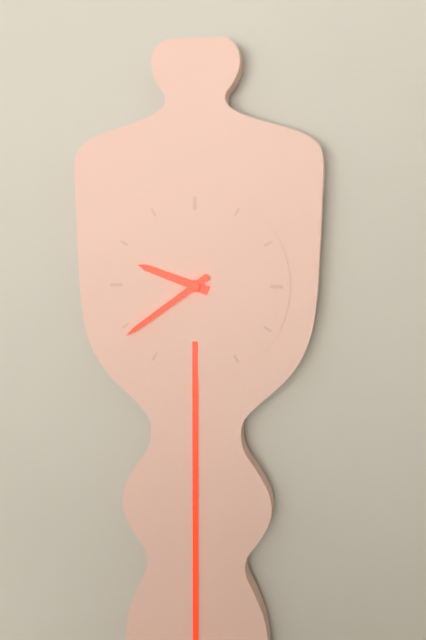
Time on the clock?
9:39
